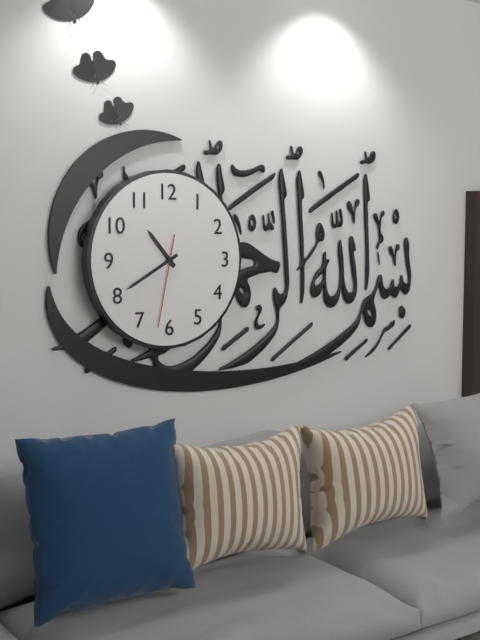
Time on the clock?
10:40:32
